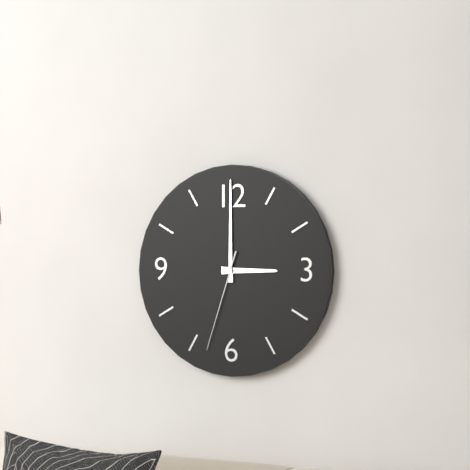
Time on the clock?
3:00:33
